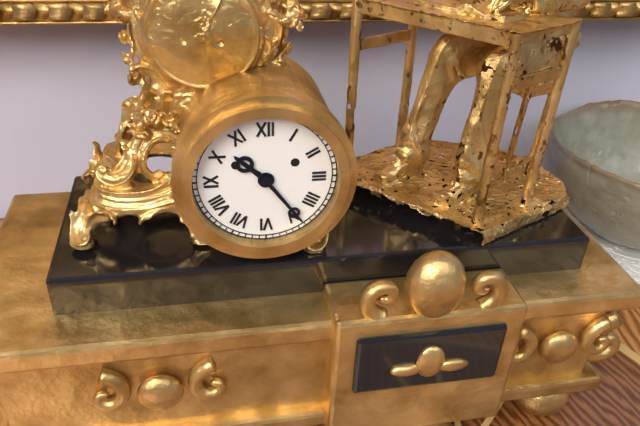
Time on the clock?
10:24
